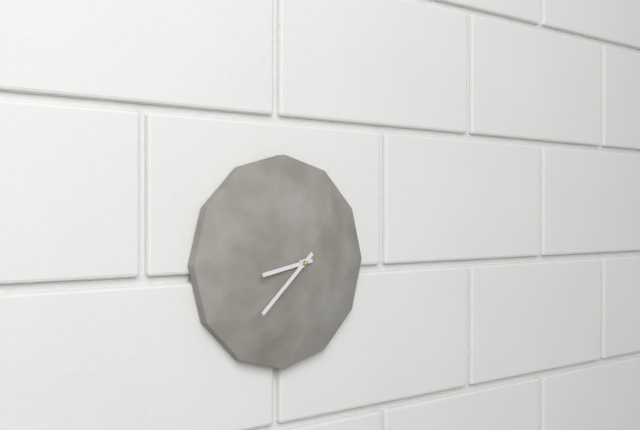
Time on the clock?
8:38
